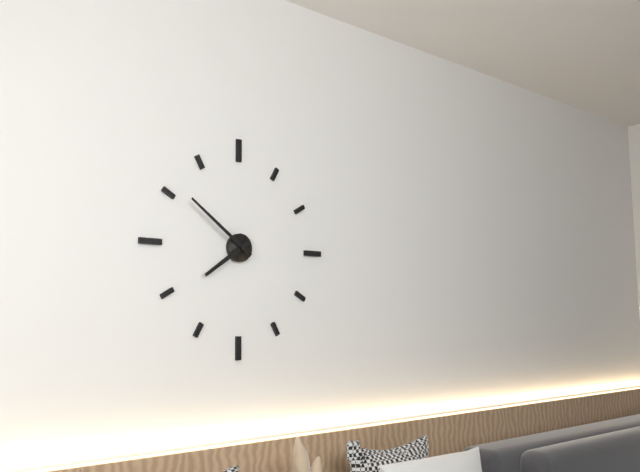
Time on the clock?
7:51
